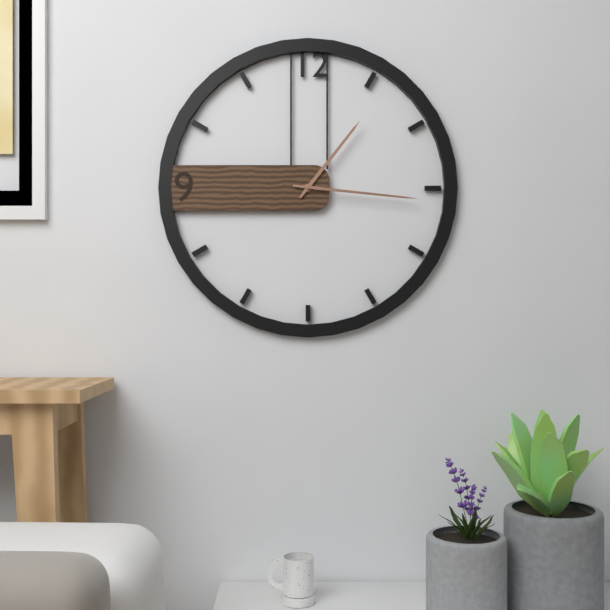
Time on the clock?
1:16
